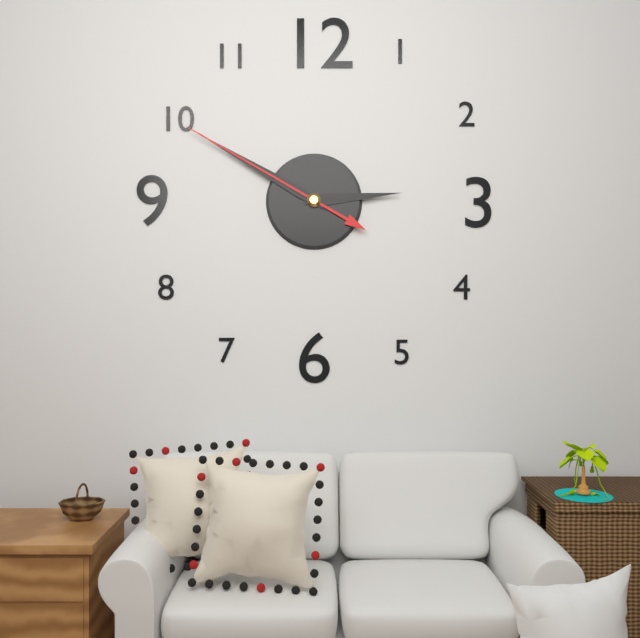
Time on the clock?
2:50:50
